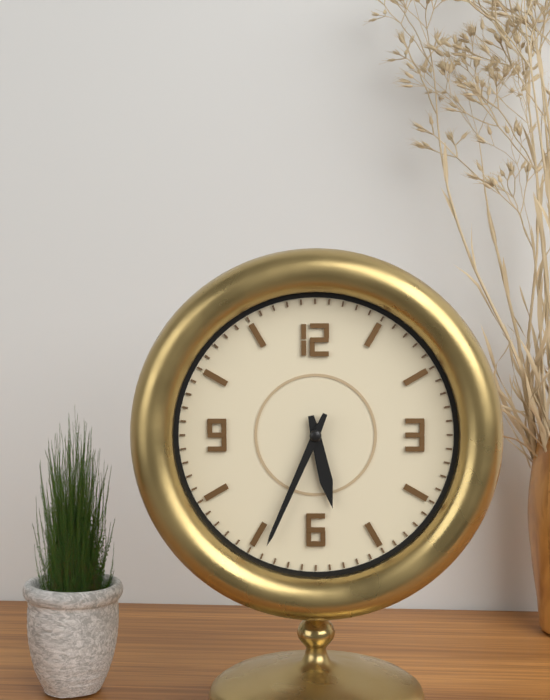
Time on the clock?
5:34
